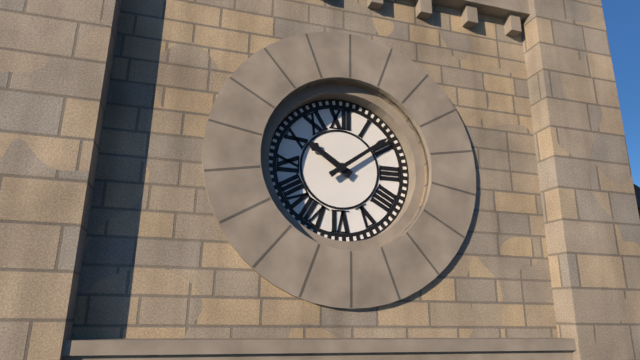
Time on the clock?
10:09
